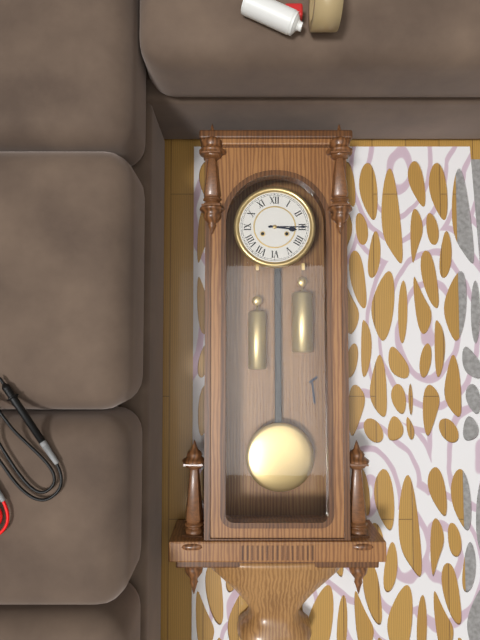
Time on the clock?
3:15
